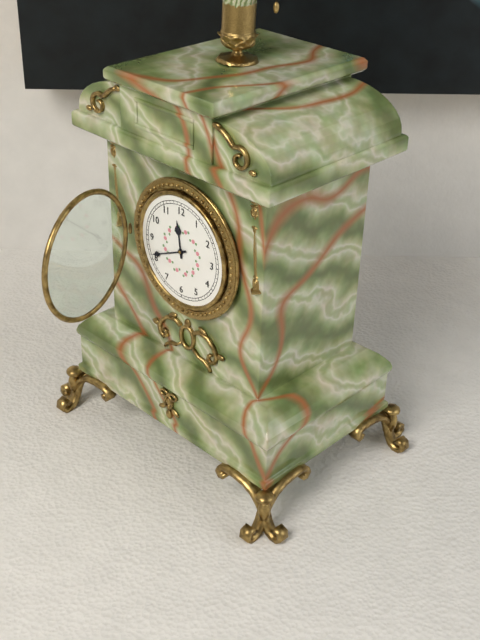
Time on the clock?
11:41
